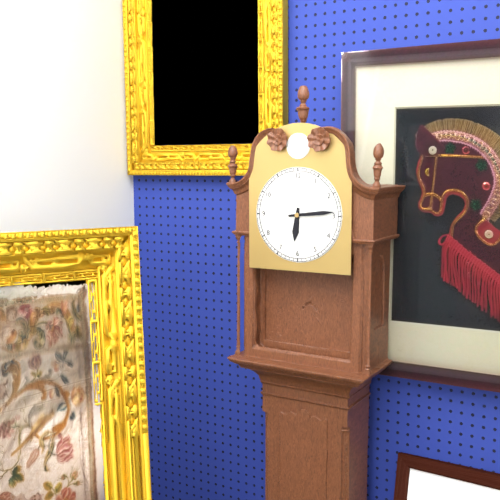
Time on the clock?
6:14
